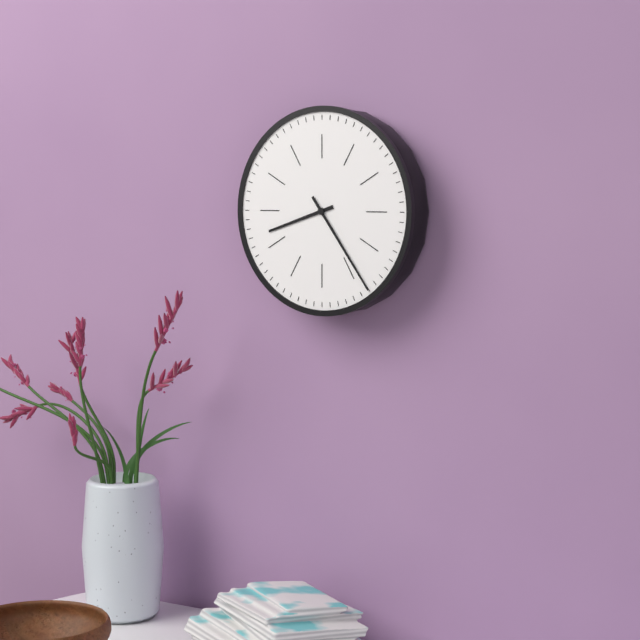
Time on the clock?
8:24
